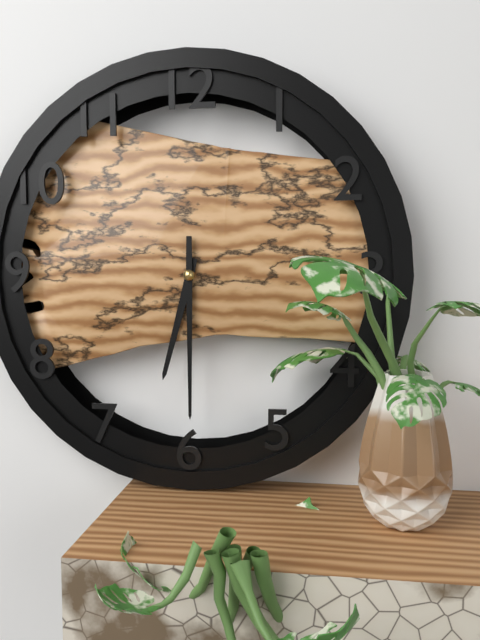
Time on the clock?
6:30
